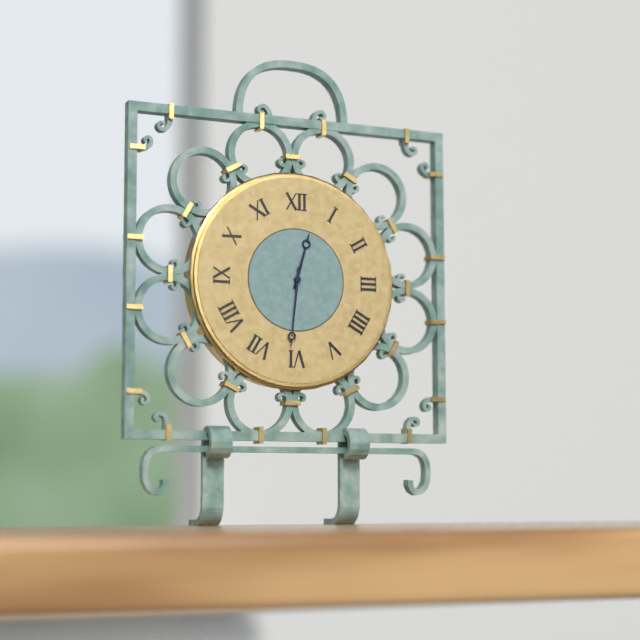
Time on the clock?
12:31
